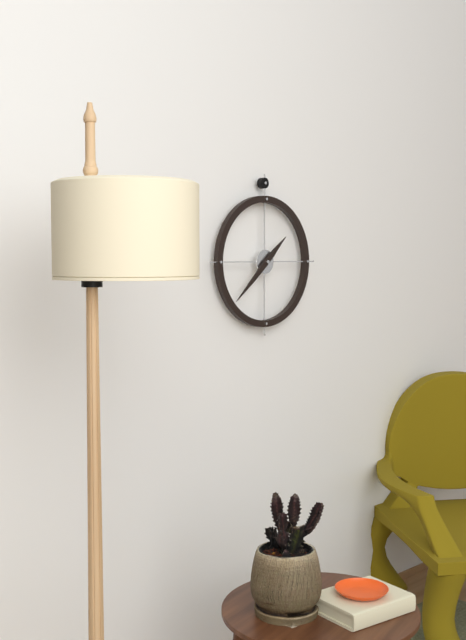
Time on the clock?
1:38
